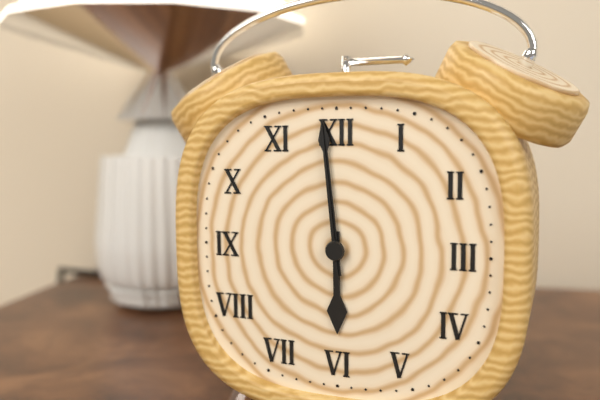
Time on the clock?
5:59:59
